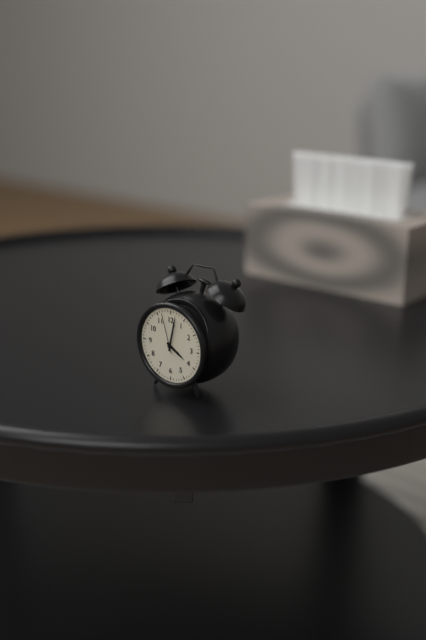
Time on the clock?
4:02
